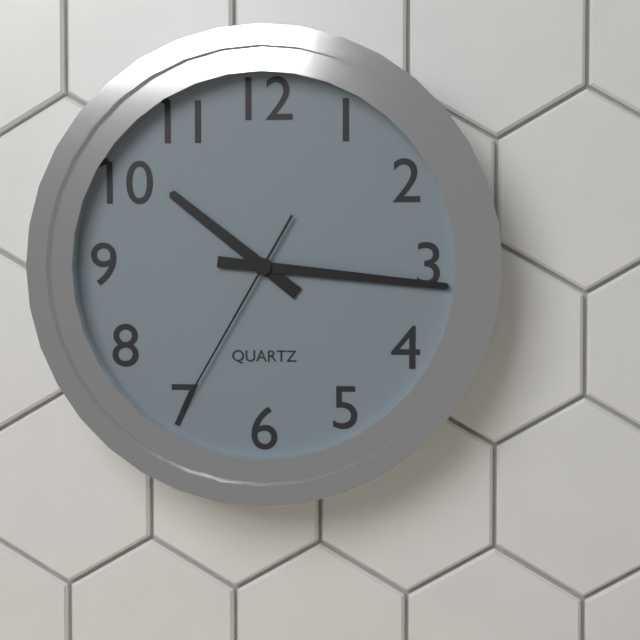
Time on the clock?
10:16:35
